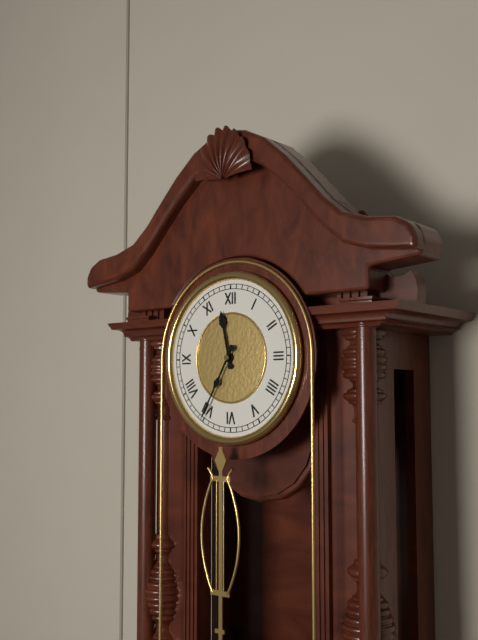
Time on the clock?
11:35
